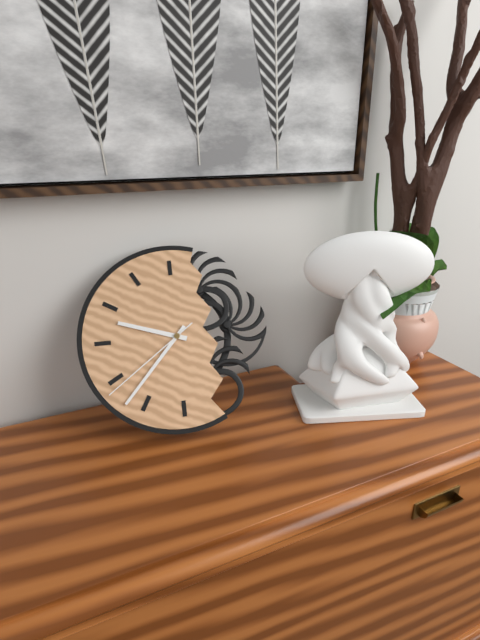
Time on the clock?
9:37:39
